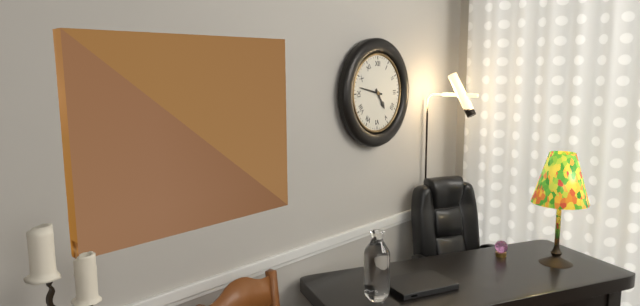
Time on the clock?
4:47
